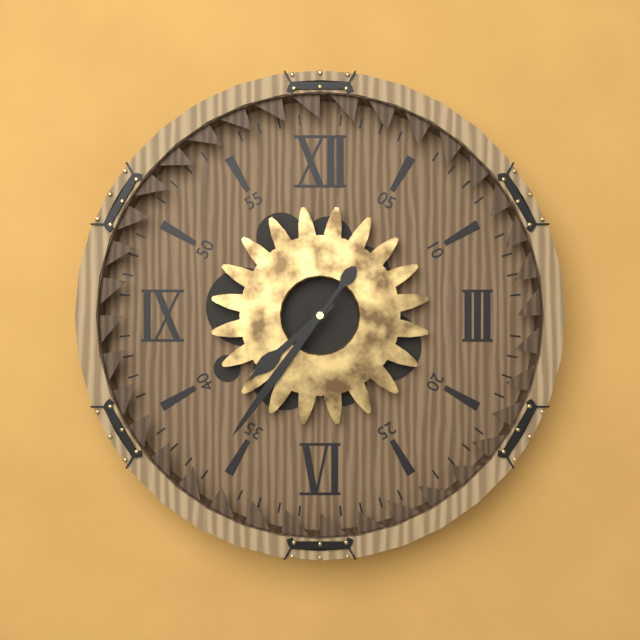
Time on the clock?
7:36
